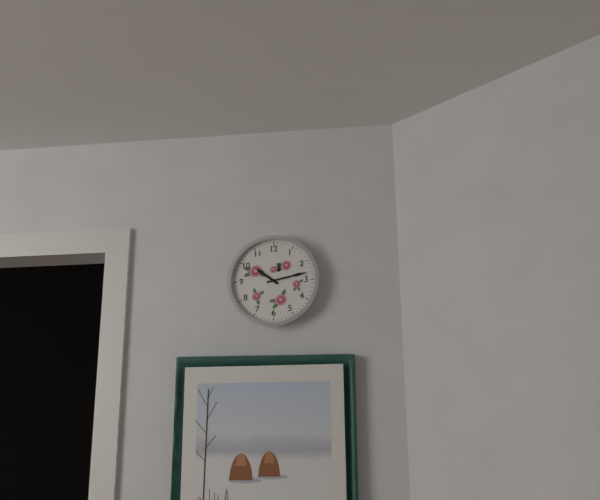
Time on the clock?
10:13
